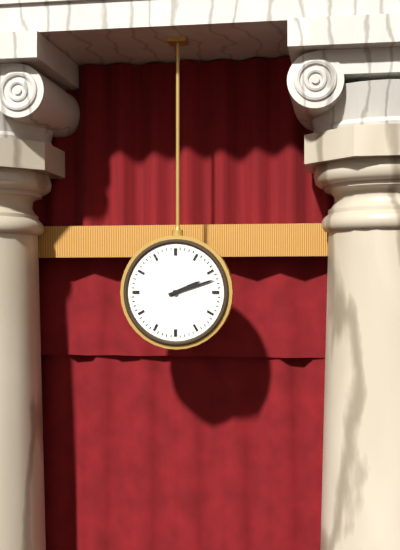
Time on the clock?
2:12
